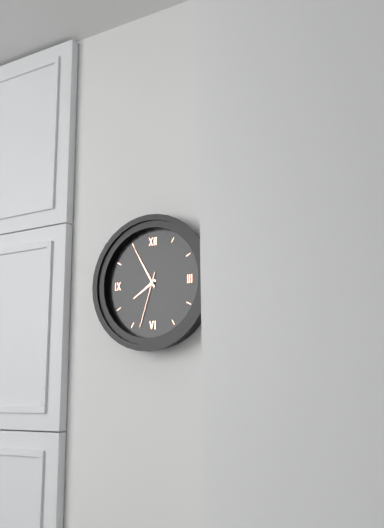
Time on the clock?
7:55:33
